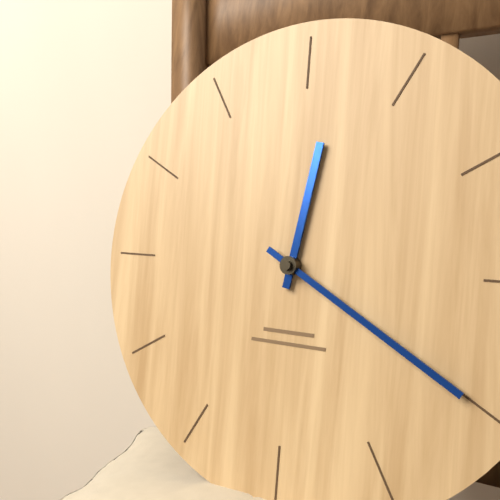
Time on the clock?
12:20
